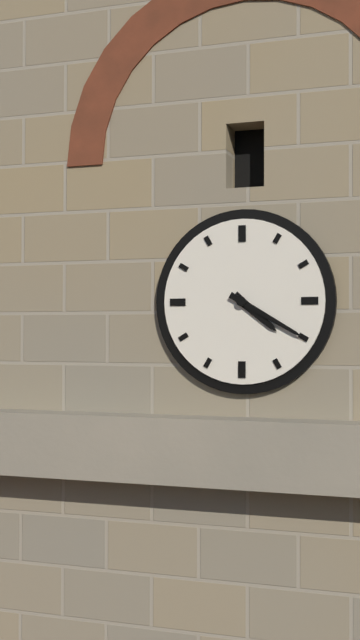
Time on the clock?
4:20
